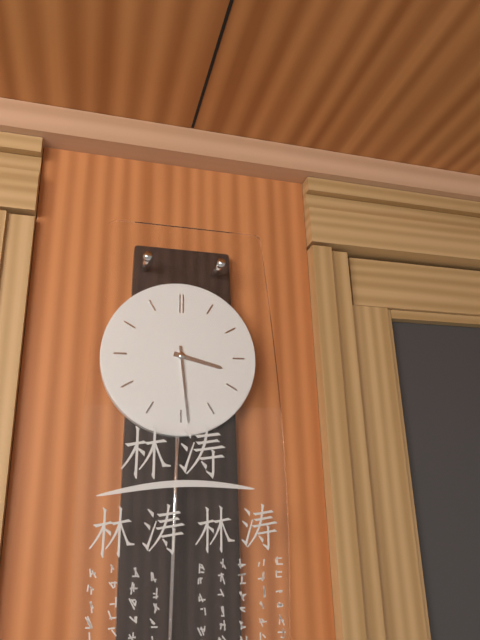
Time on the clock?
3:29
